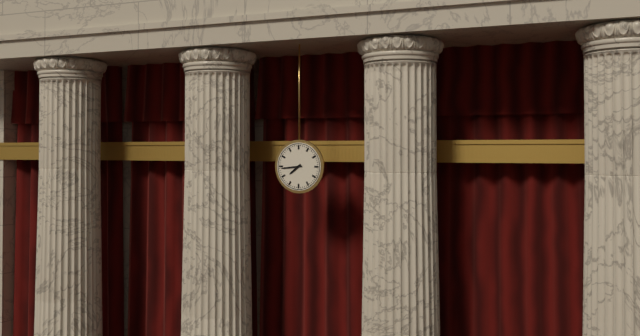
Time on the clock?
7:44
